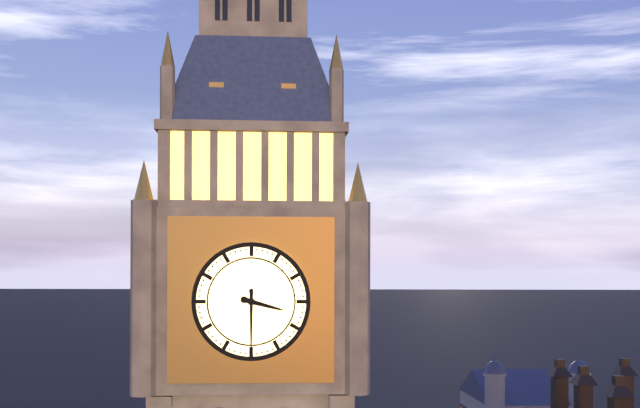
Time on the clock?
3:30
